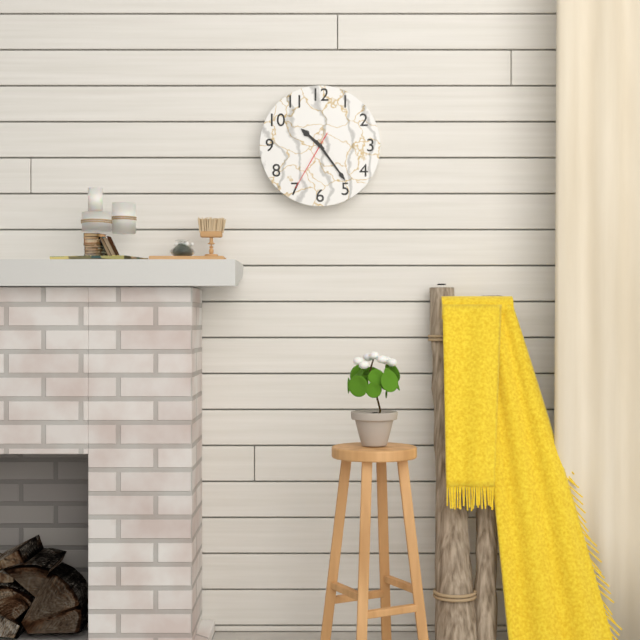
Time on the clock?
10:24:35
